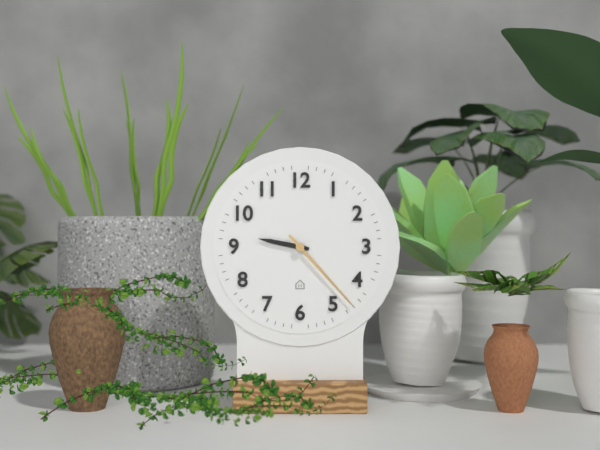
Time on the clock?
9:23
